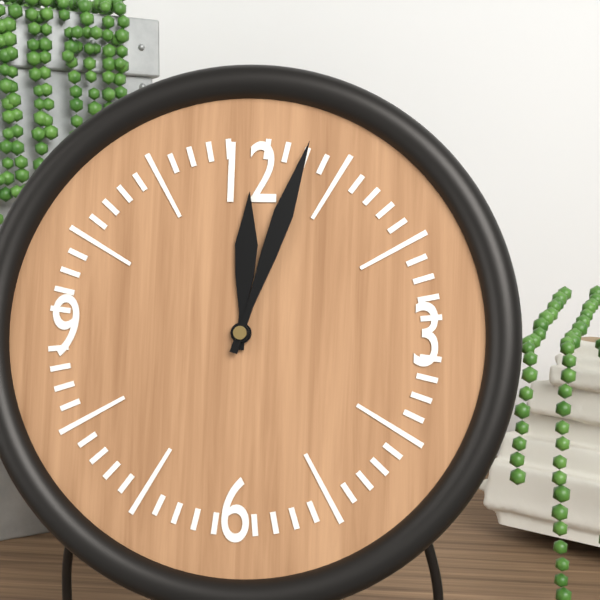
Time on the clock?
12:03
